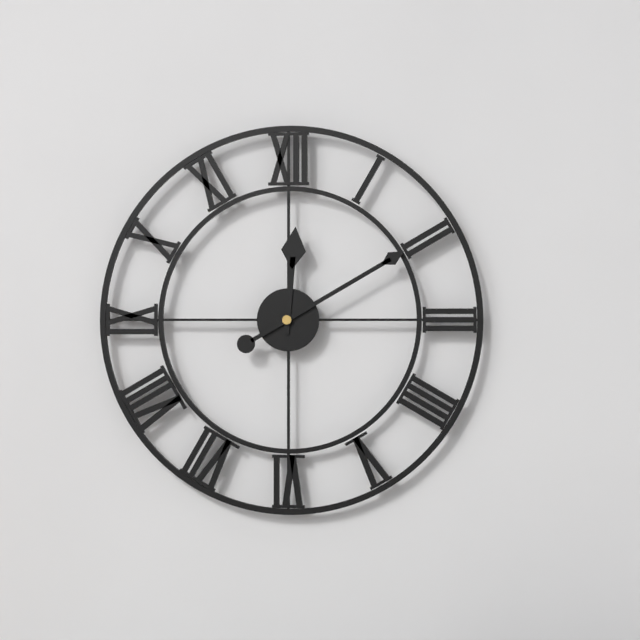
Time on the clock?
12:10
